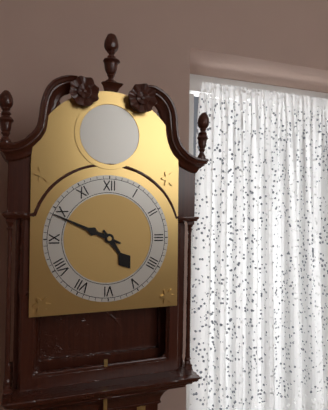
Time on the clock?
4:49
